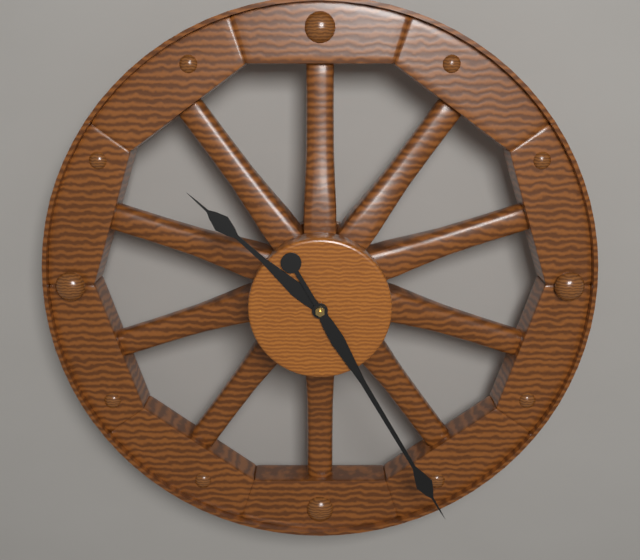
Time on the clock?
10:25
